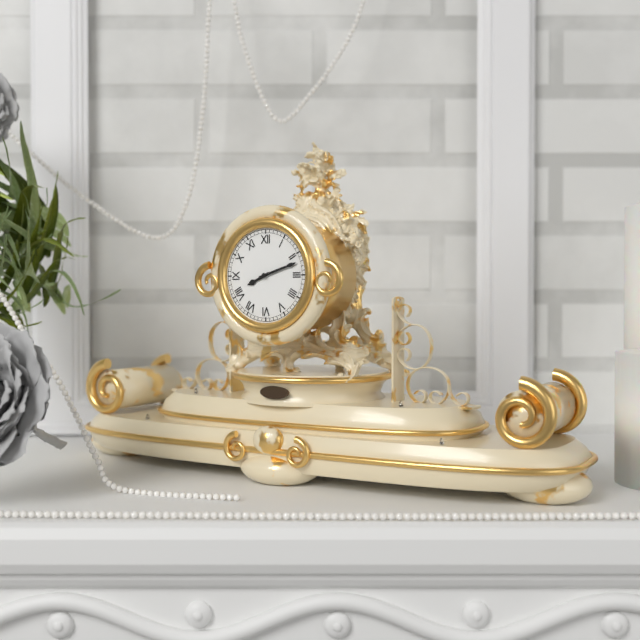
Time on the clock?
8:12
